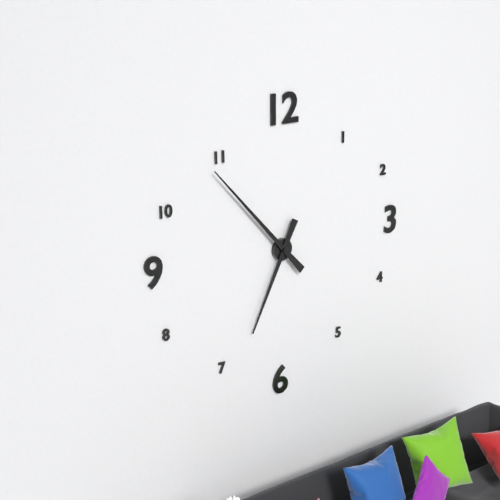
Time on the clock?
6:53
